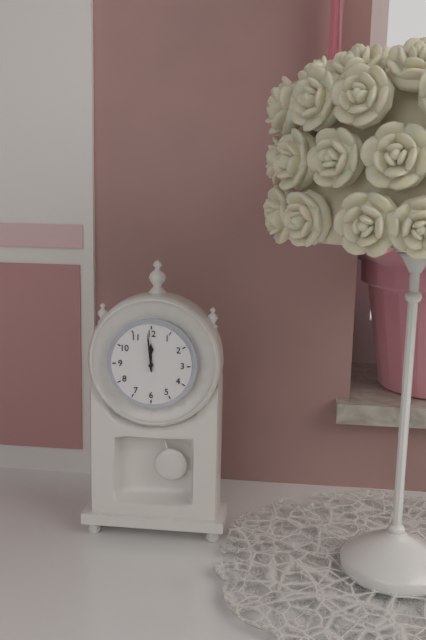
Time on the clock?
11:59
